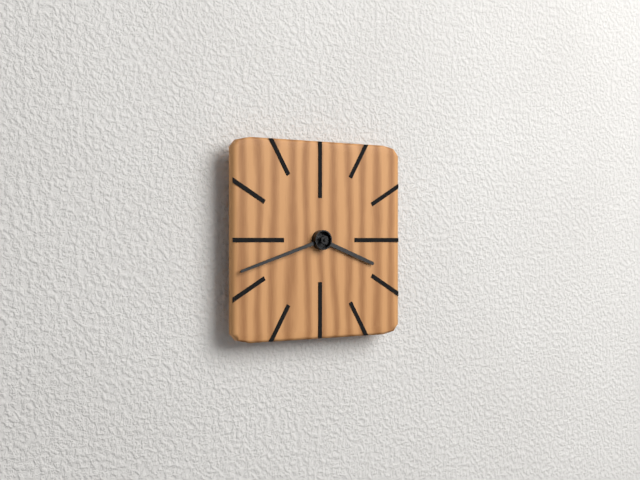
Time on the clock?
3:42
